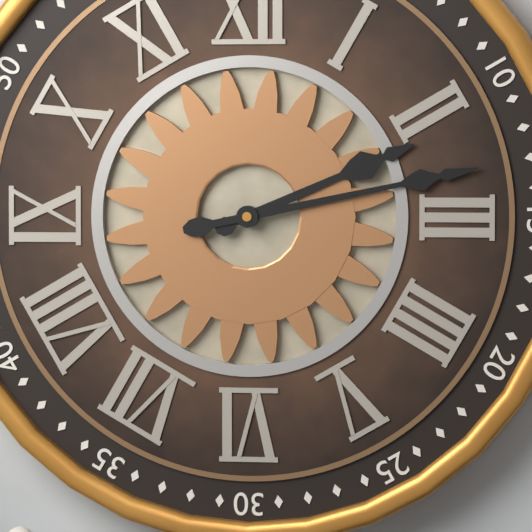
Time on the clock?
2:13
